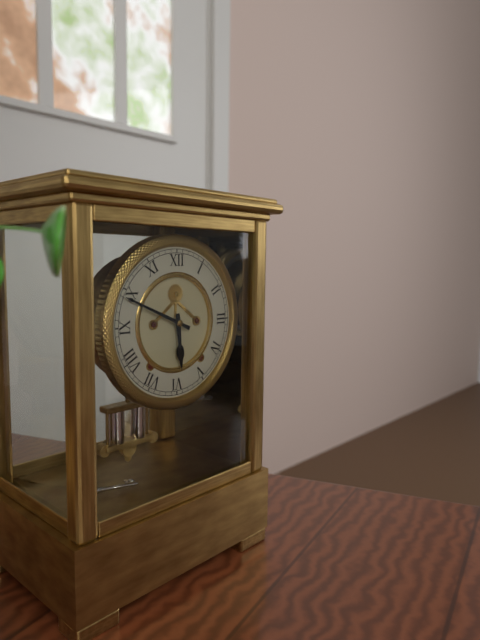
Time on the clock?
5:49
